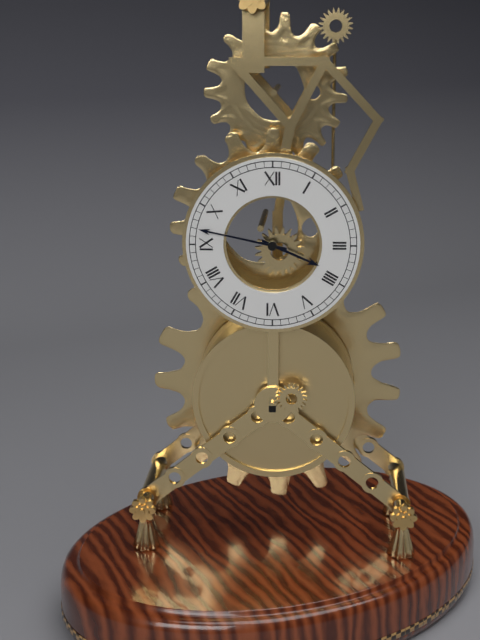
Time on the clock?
3:47
